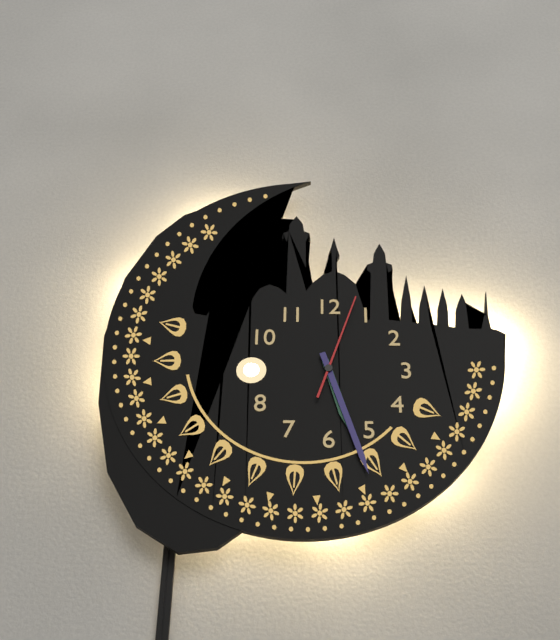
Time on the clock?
5:27:03
